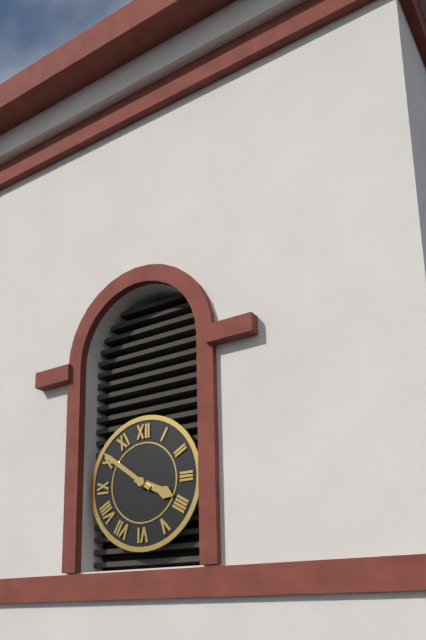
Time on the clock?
3:51
